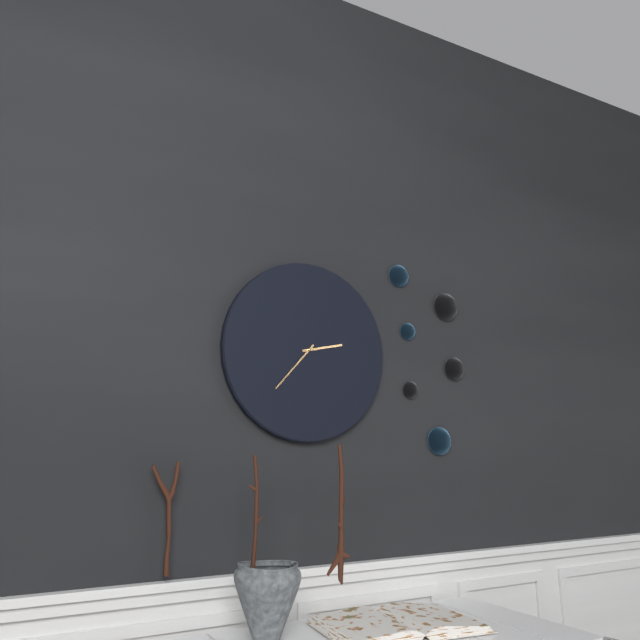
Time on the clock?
2:37
